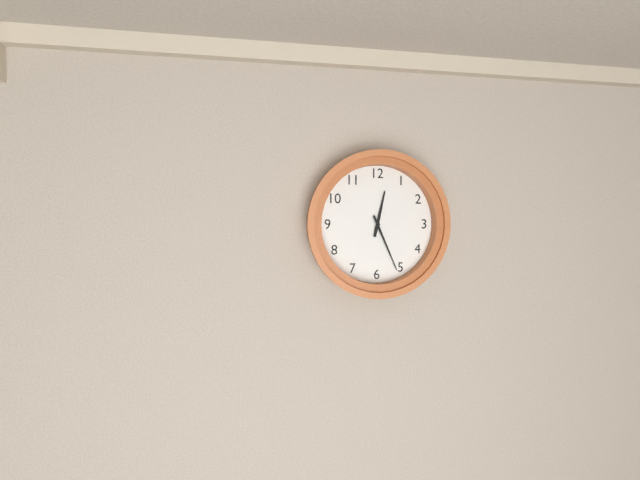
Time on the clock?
12:26
